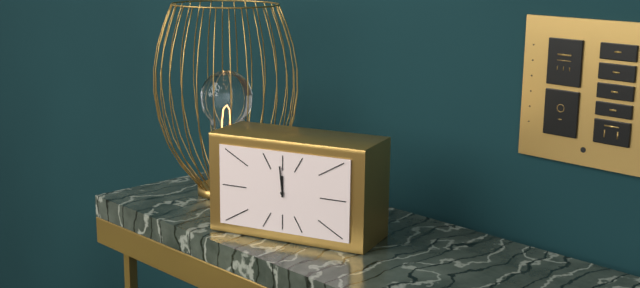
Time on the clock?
11:59
